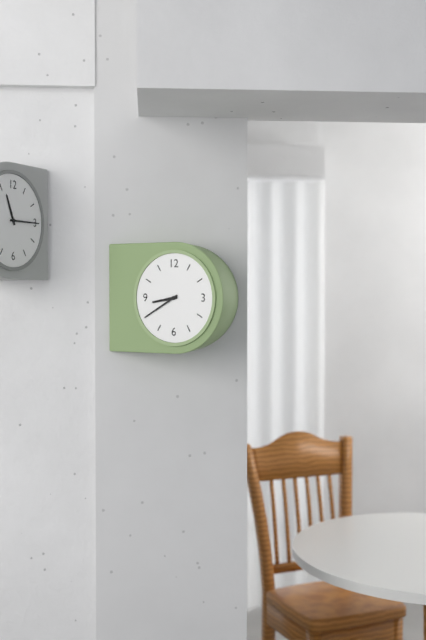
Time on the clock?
8:40
